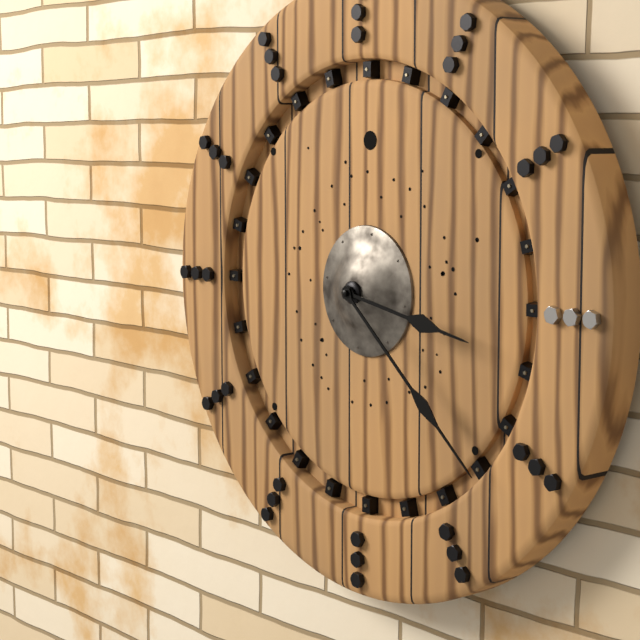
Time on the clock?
3:22
